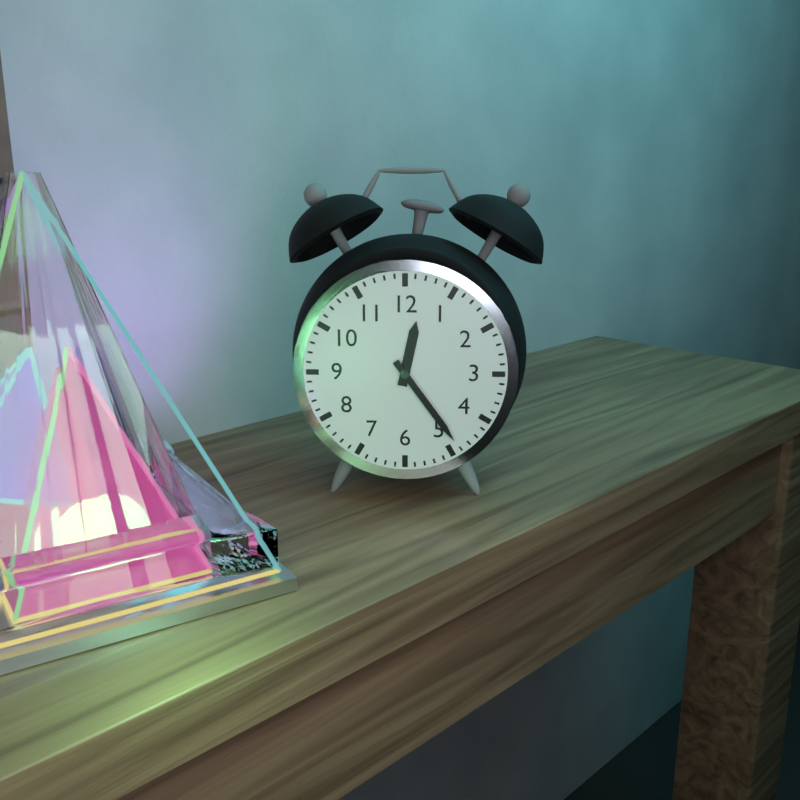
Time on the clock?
12:24
